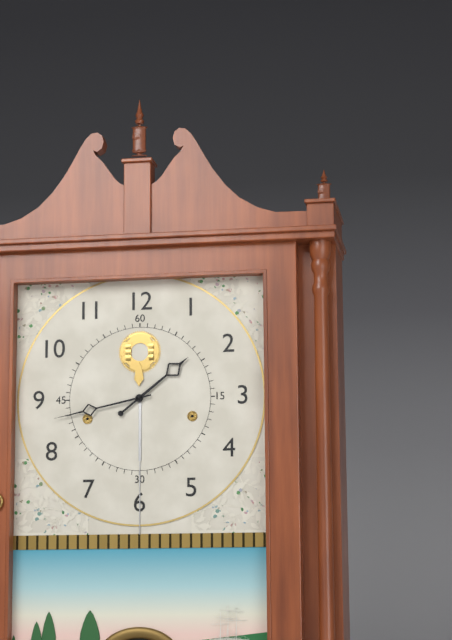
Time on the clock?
1:43
